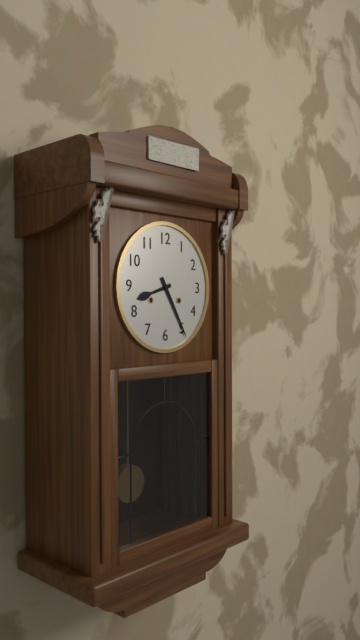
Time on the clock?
8:25
